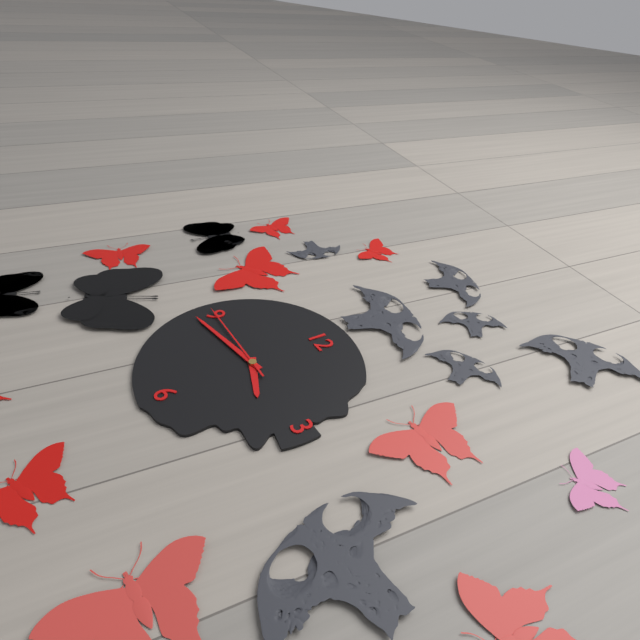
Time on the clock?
3:43:45
